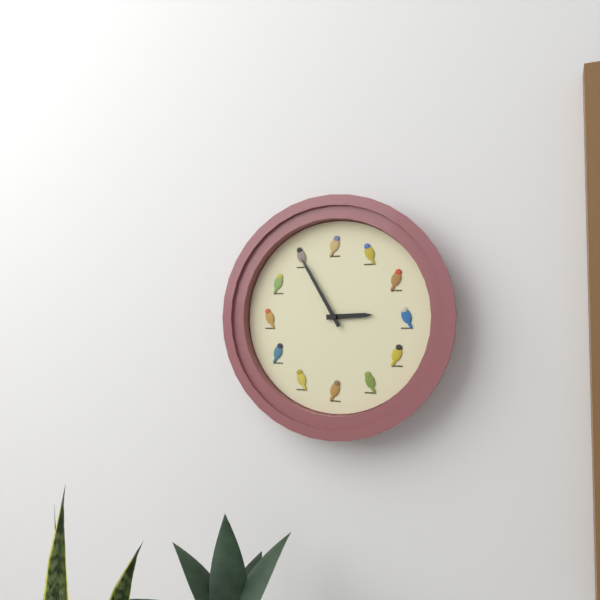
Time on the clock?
2:55
